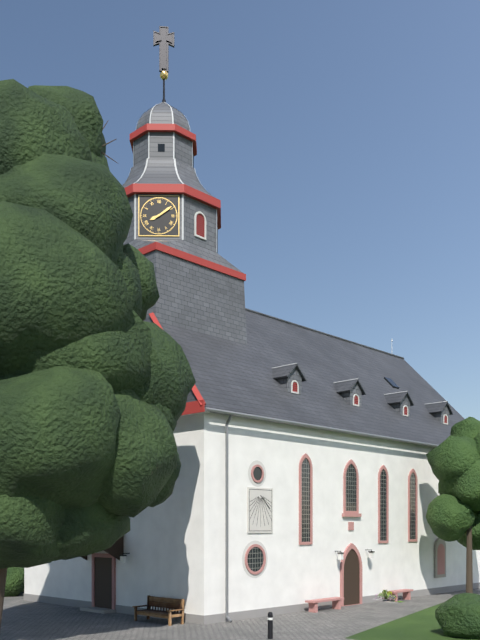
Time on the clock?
8:09
